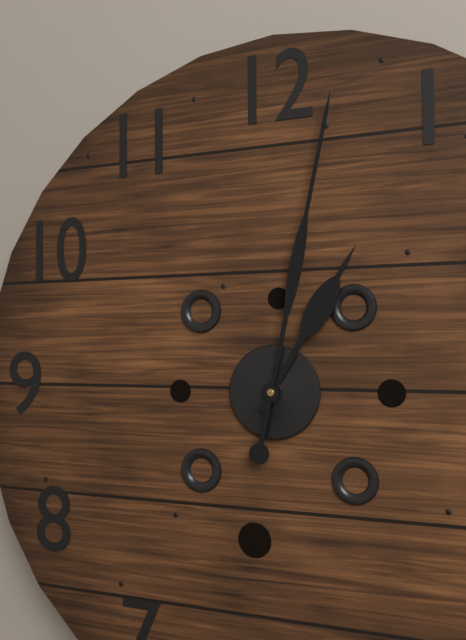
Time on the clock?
1:02
